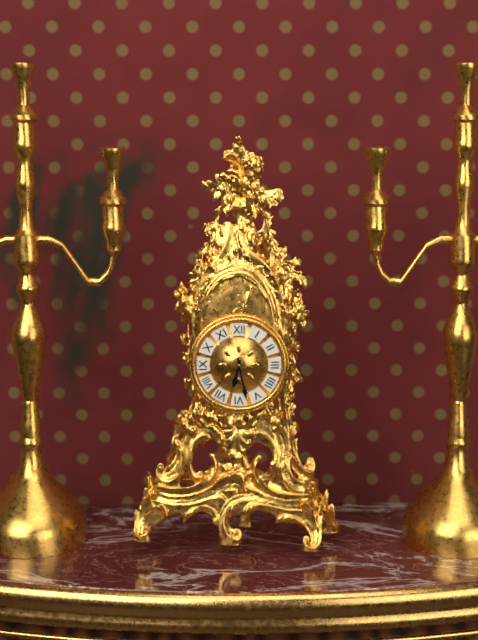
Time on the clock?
6:28
